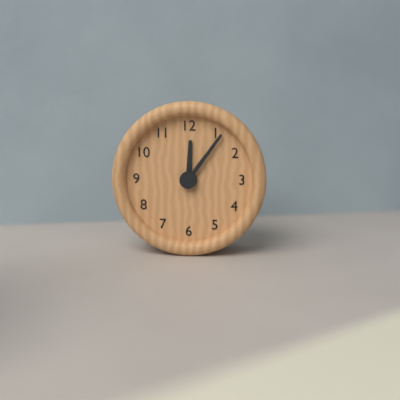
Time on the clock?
12:06
